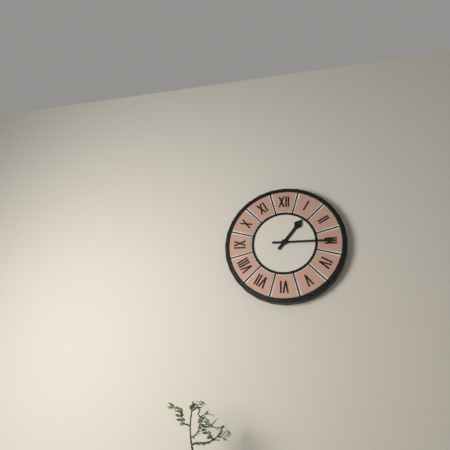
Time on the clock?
1:15
